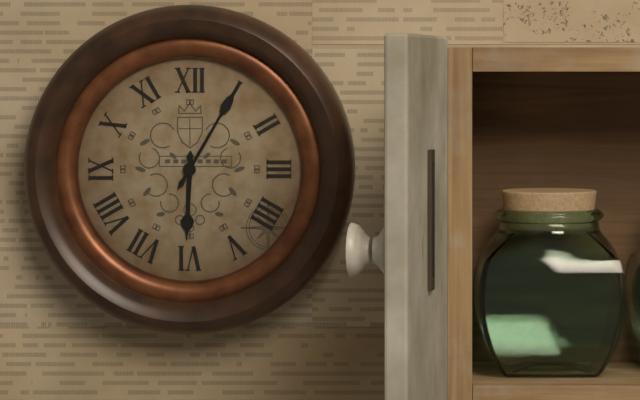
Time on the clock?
6:05
